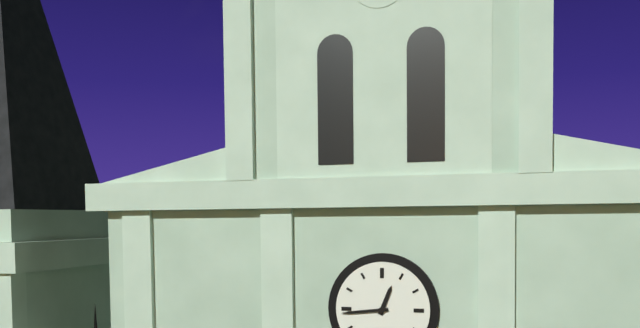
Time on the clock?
12:44
